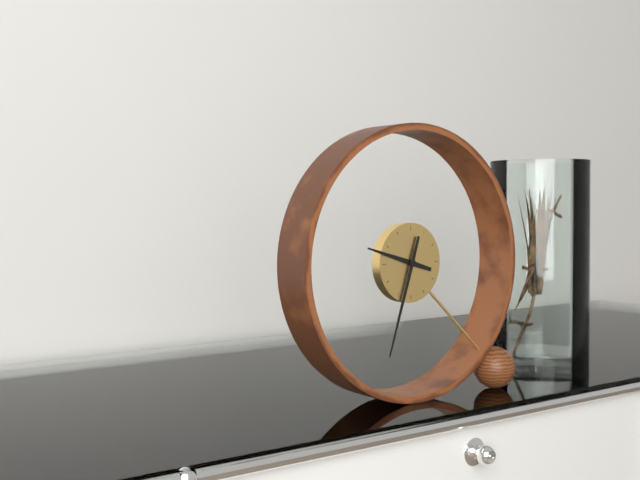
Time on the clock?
9:33
